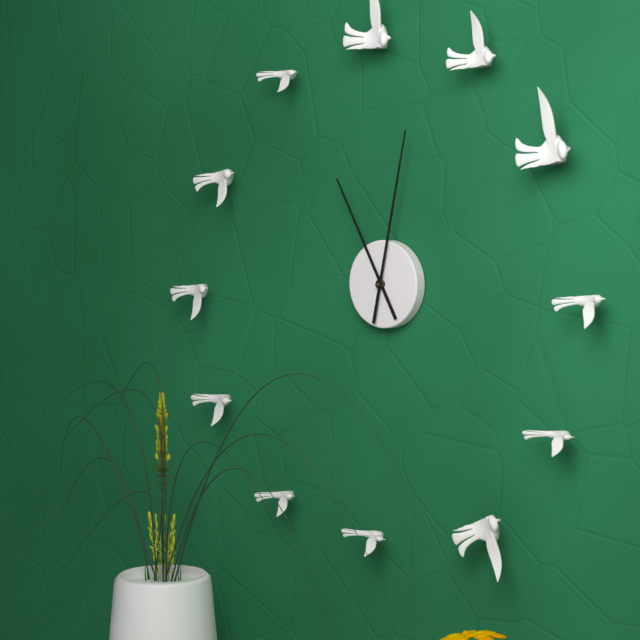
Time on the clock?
11:02
